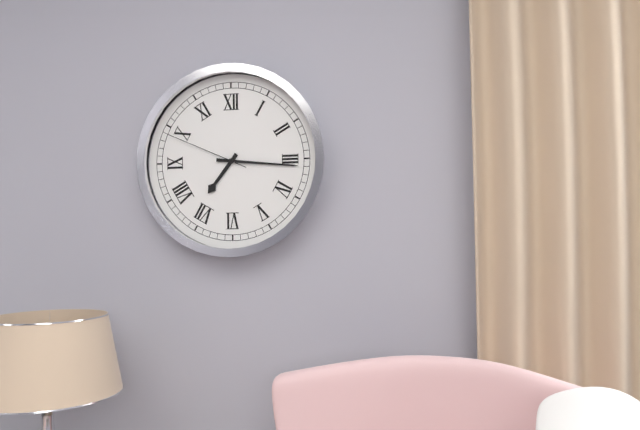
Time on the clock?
7:16:49
